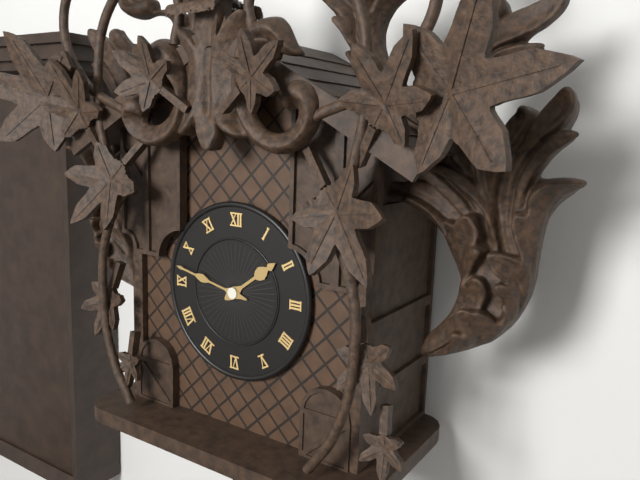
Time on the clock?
1:47
